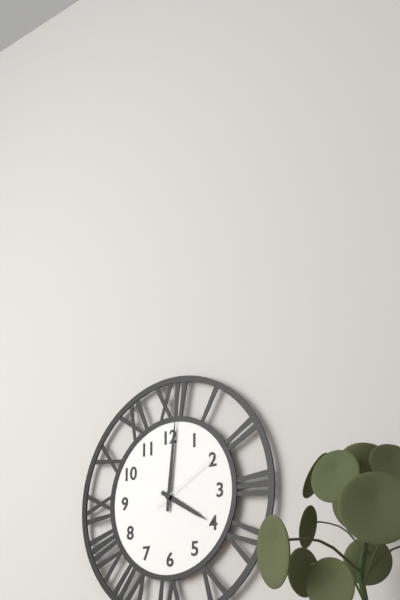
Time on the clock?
4:01:10
